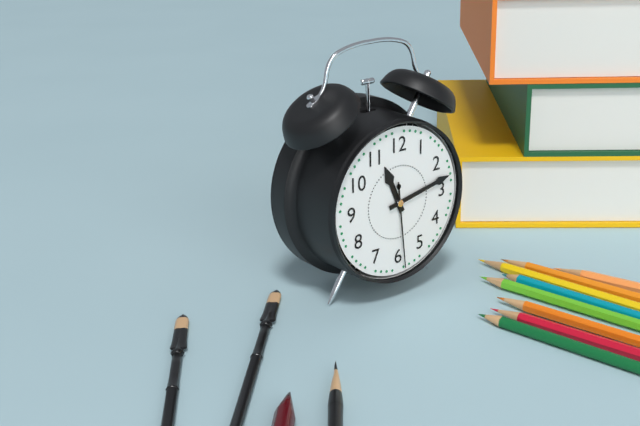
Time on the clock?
11:13:29
